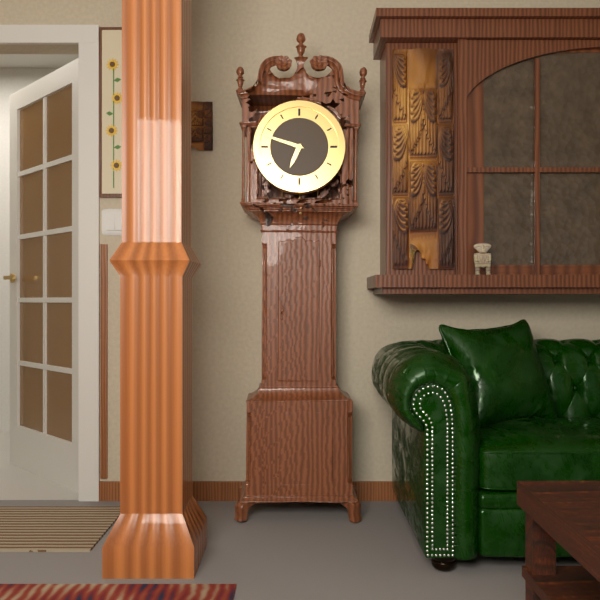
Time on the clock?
6:48
